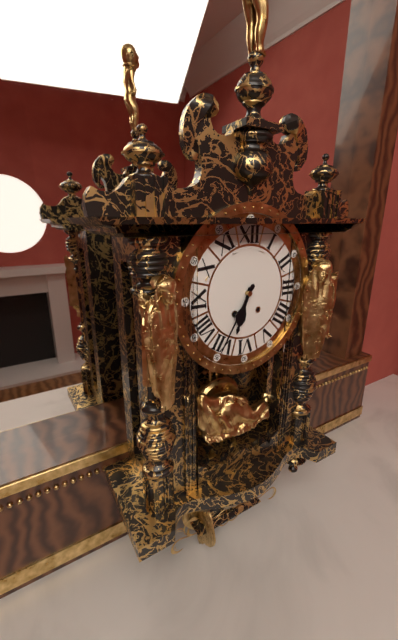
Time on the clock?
6:35
